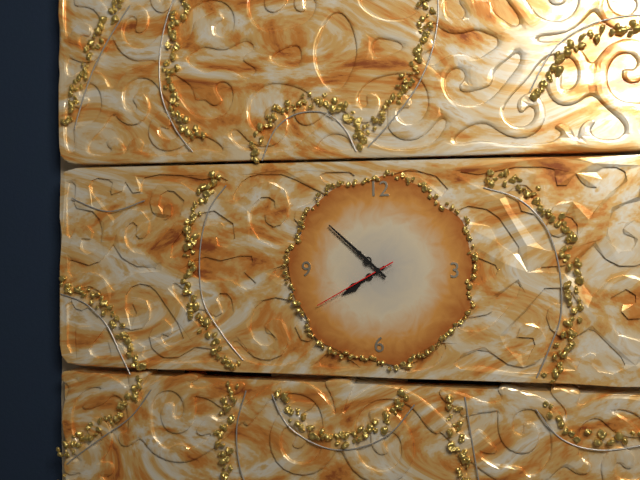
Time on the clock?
7:52:40
